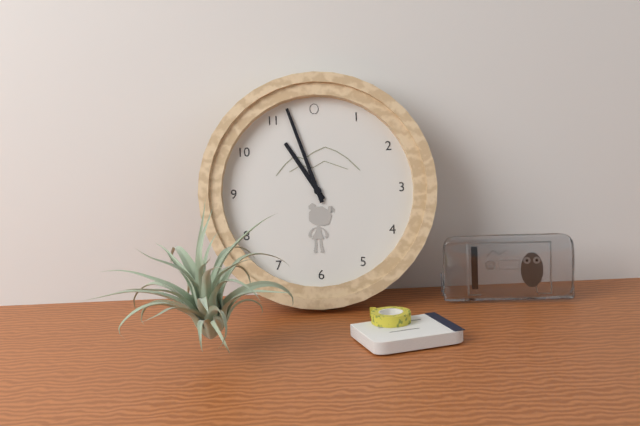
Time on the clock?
10:57
